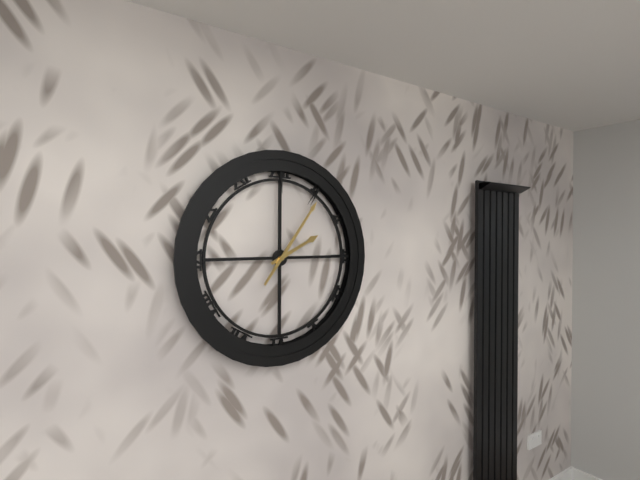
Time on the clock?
2:06
